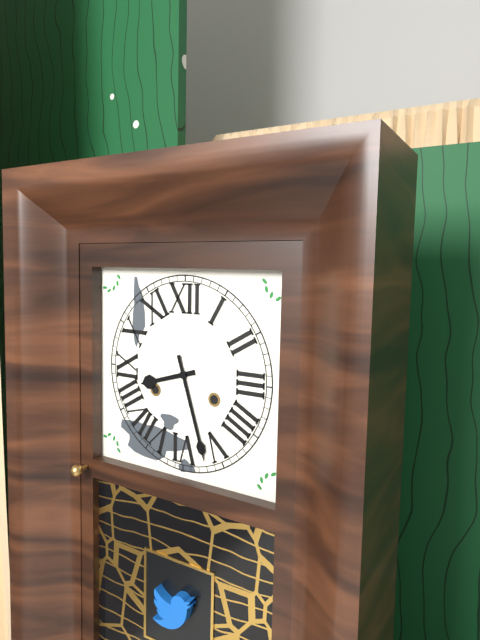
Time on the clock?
8:27
